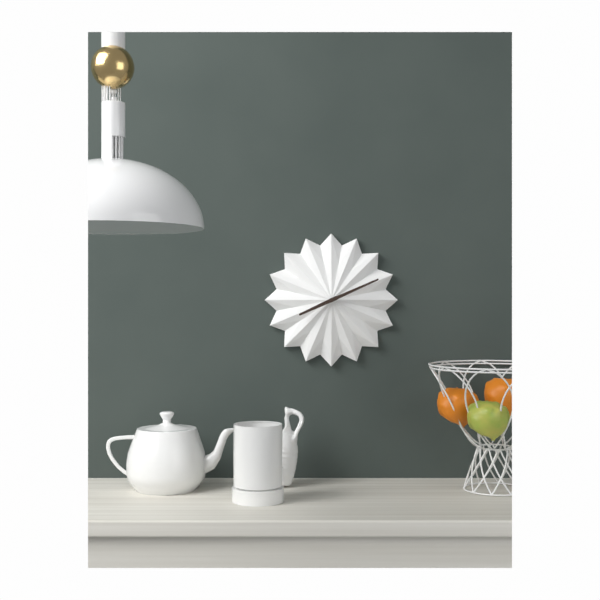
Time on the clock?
8:11
